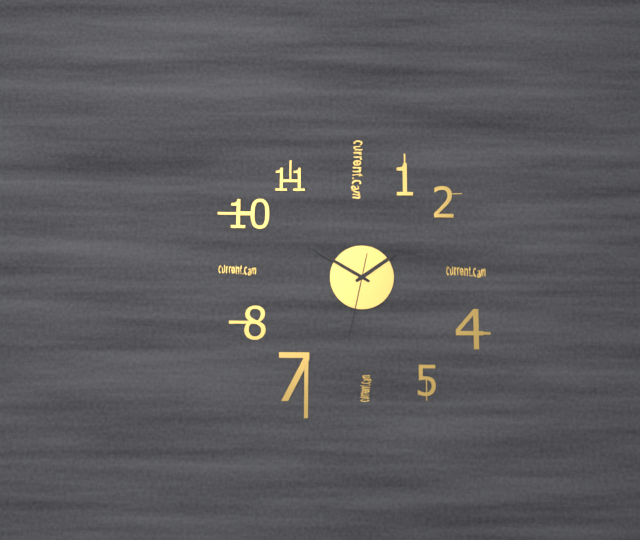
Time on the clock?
1:50:32
